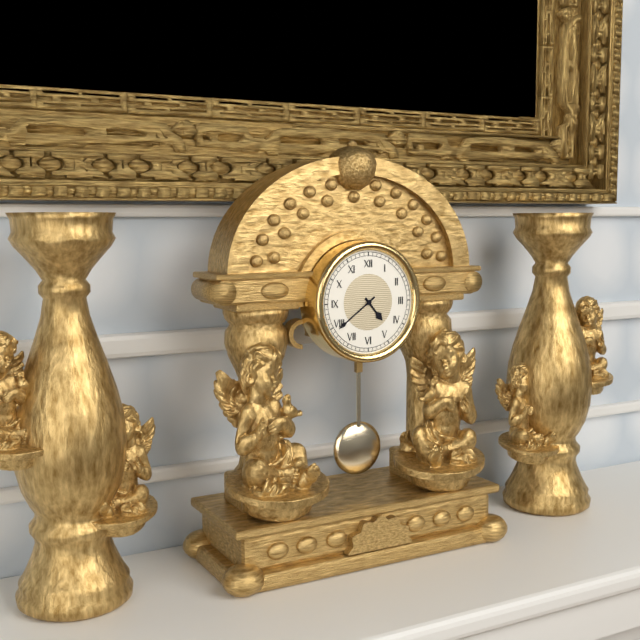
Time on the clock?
4:39
